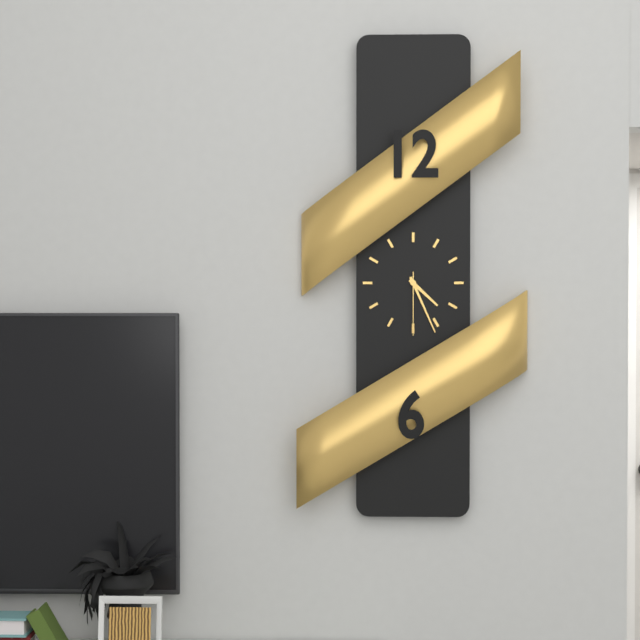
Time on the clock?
4:26:30
